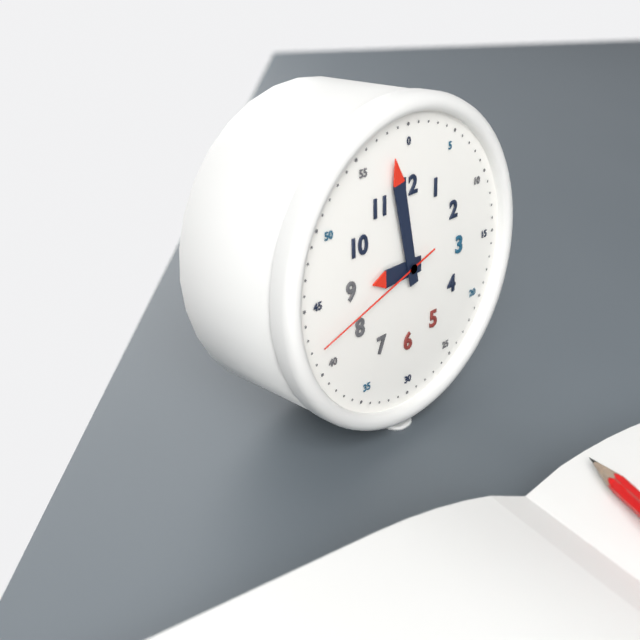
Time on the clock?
8:58:42
